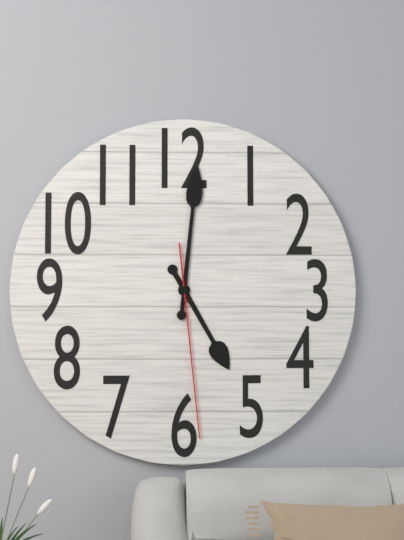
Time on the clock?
5:01:29
